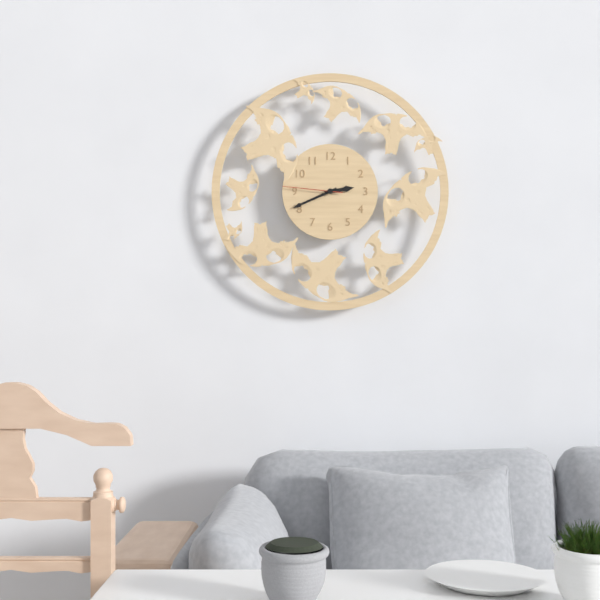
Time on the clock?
2:41:46
